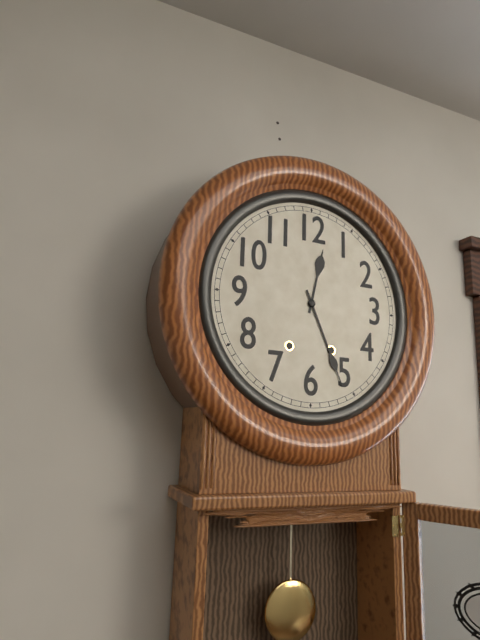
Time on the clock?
12:26
